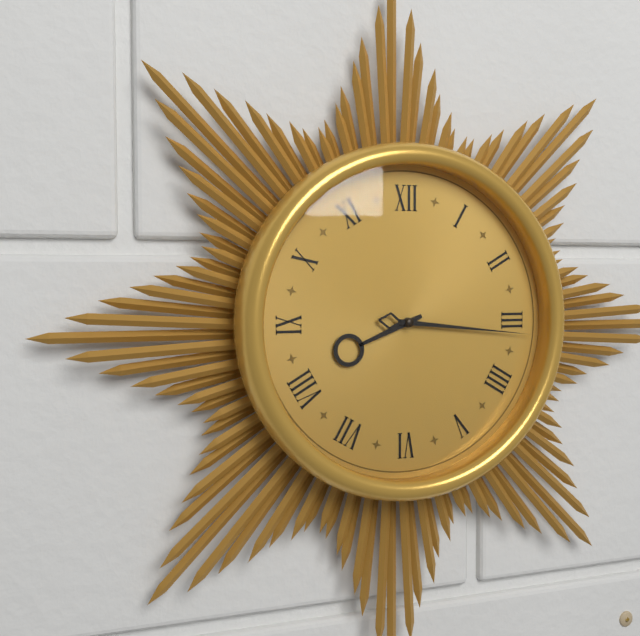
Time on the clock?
8:16
